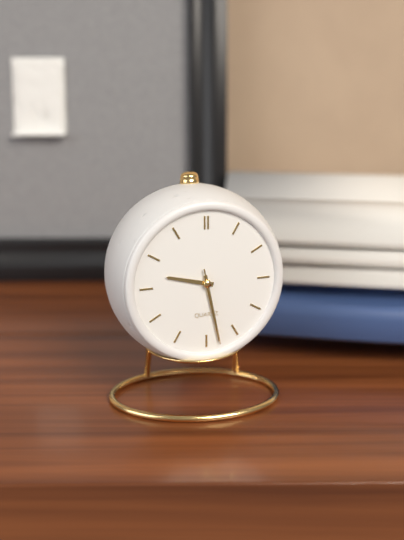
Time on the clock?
9:28:28
